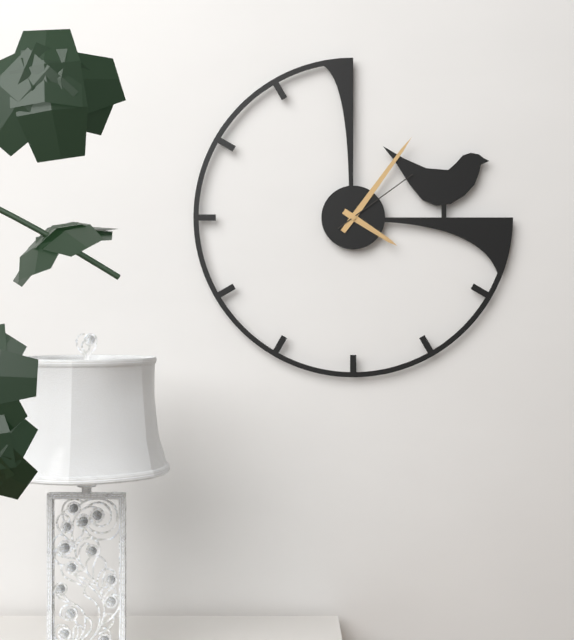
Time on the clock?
4:06:09
